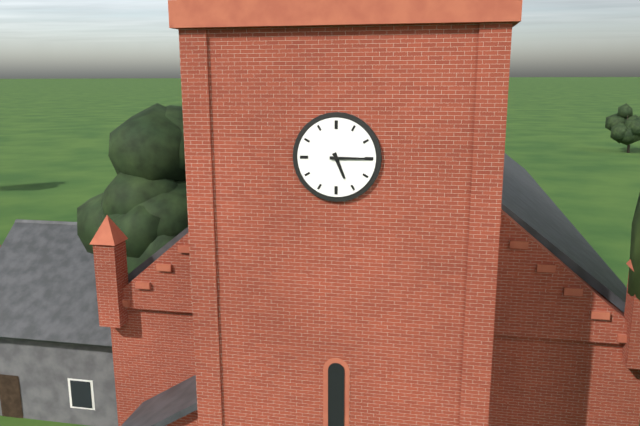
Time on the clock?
5:15
